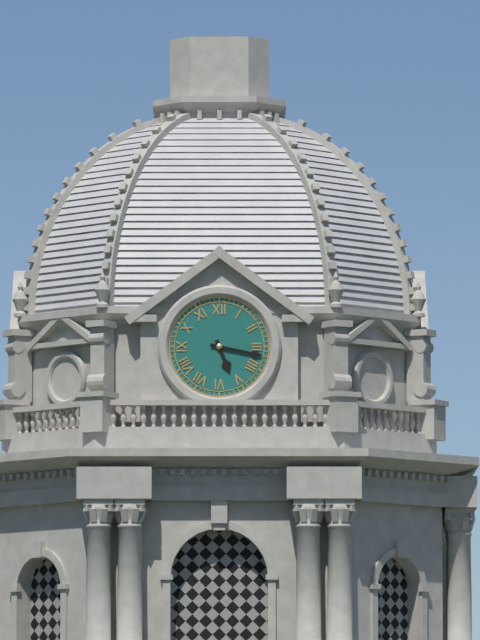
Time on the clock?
5:17
